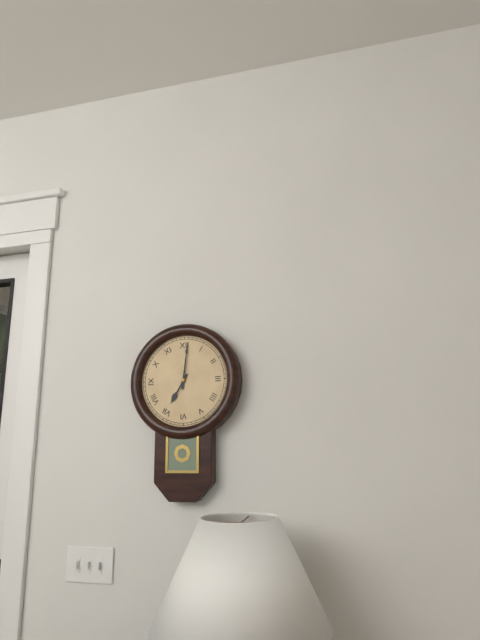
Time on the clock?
7:01
